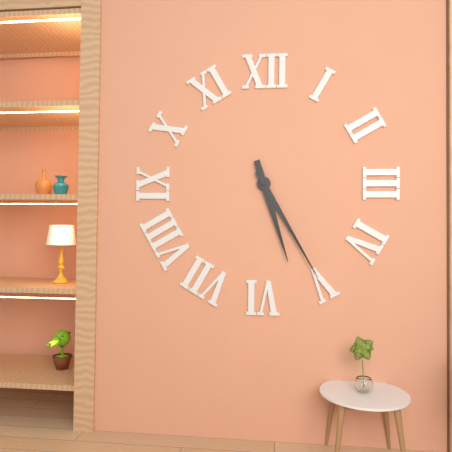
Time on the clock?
5:25
